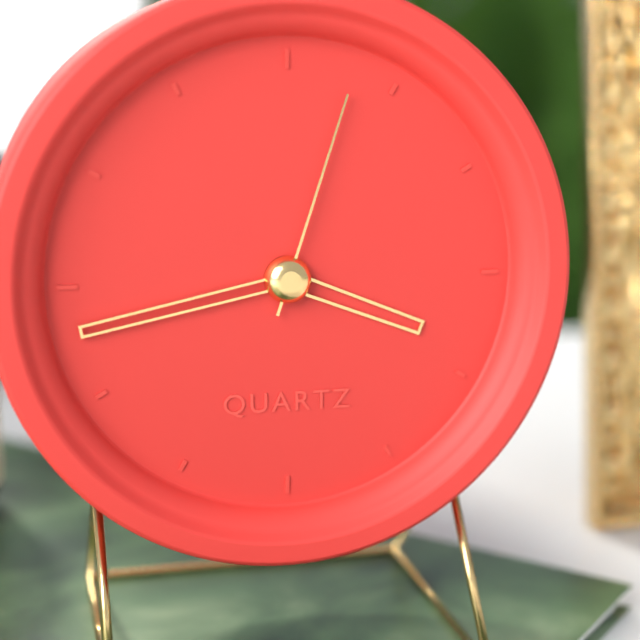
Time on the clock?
3:43:03
